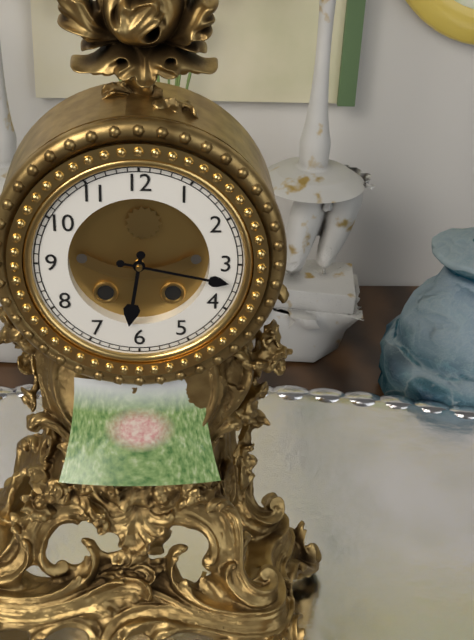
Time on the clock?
6:17
